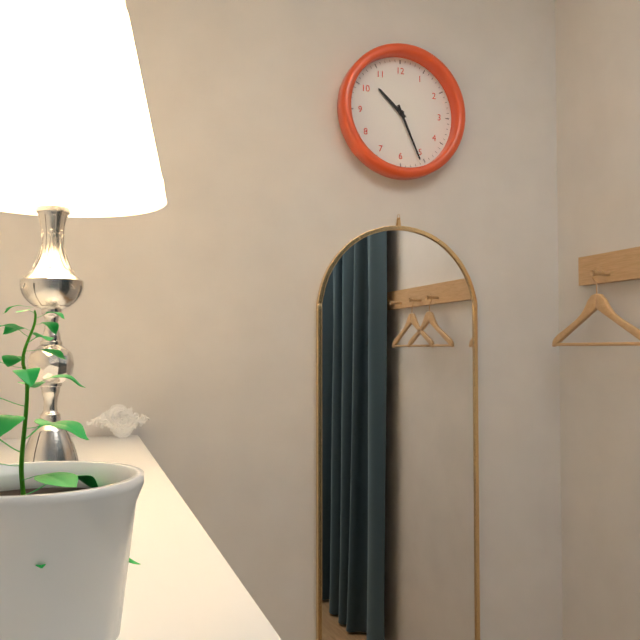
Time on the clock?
10:26
